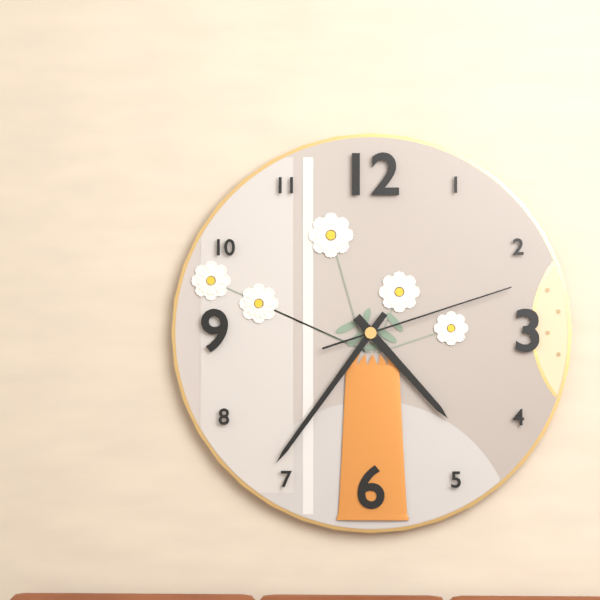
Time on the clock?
4:36:12
